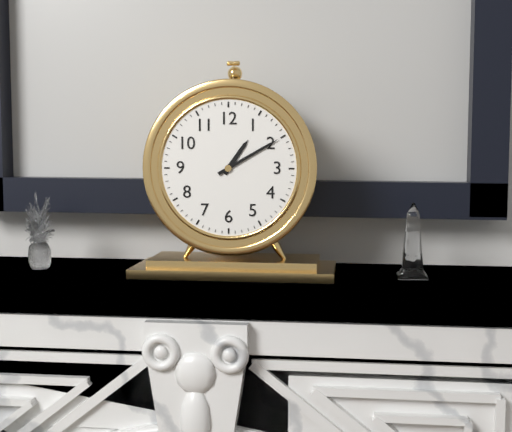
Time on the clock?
1:10
